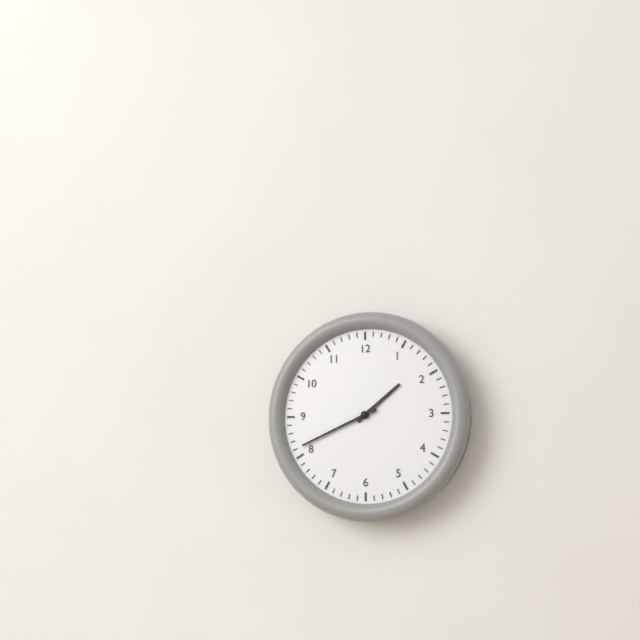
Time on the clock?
1:41
